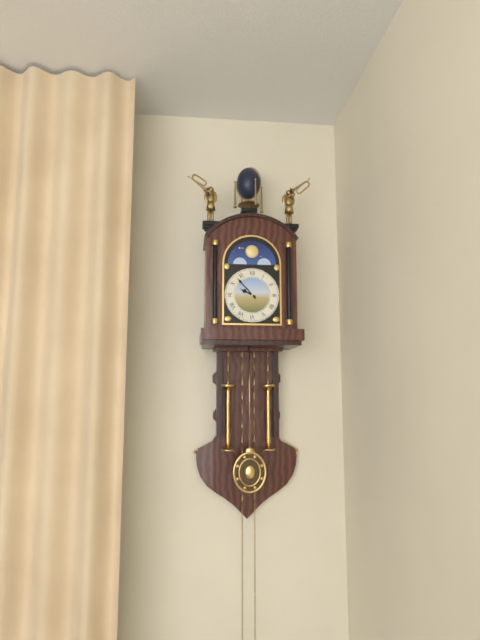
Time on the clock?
9:53
